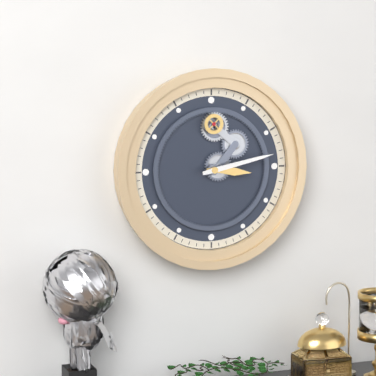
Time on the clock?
3:13
